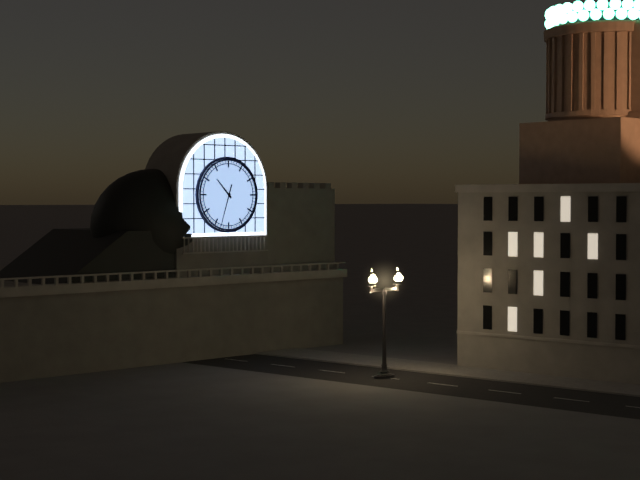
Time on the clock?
10:33
